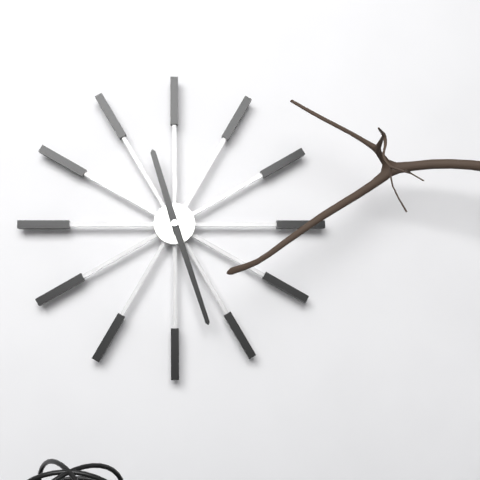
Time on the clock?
11:27
